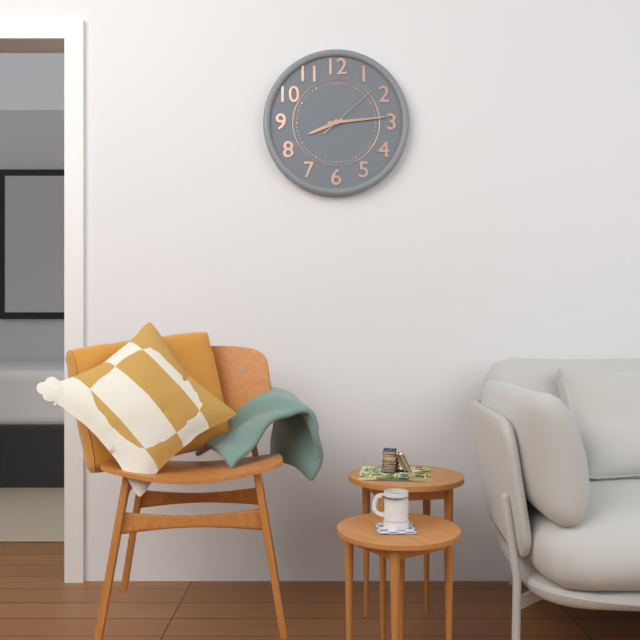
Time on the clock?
8:14:08
